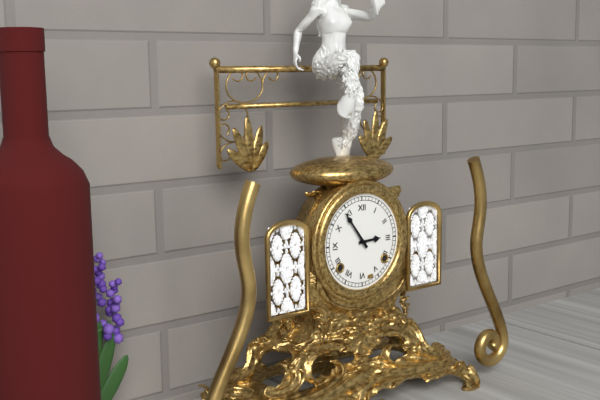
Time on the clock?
2:54
